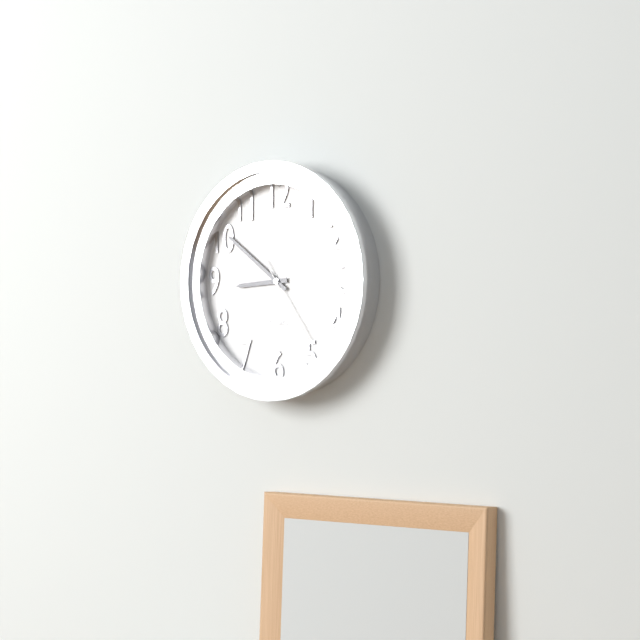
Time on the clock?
8:51:24
